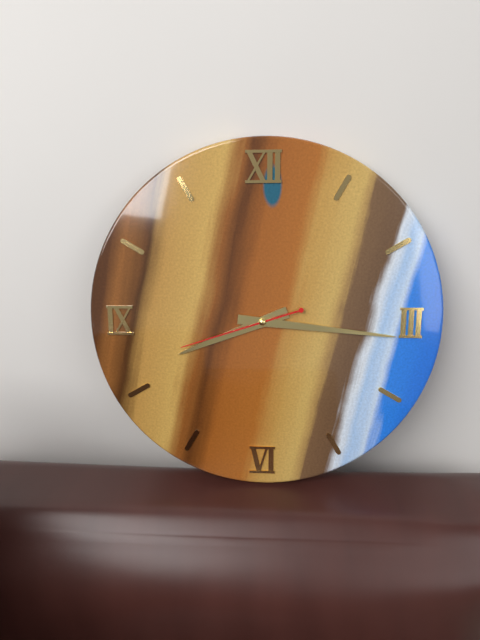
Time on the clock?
8:16:42
